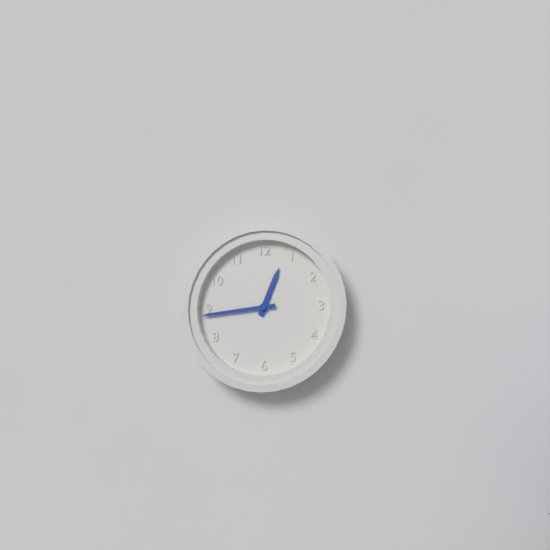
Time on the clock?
12:44
